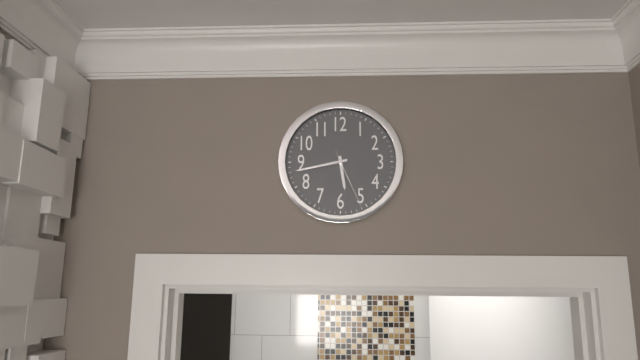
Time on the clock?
5:43:26
